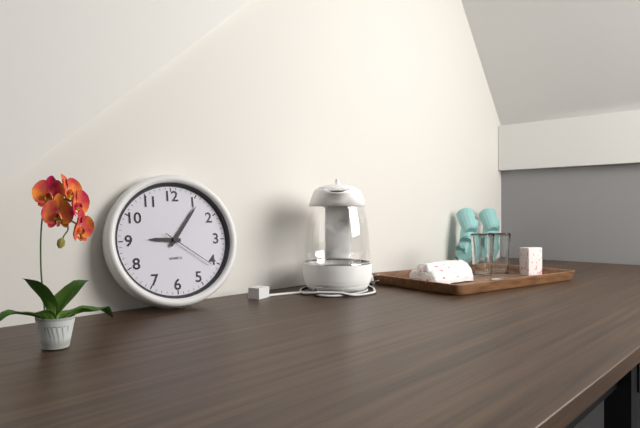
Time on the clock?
9:06:21
